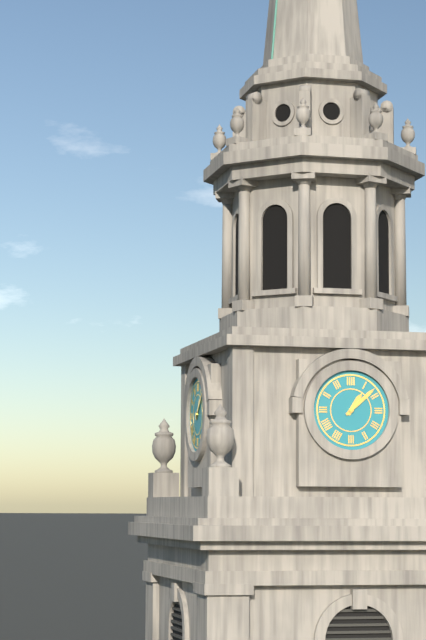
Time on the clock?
1:08
